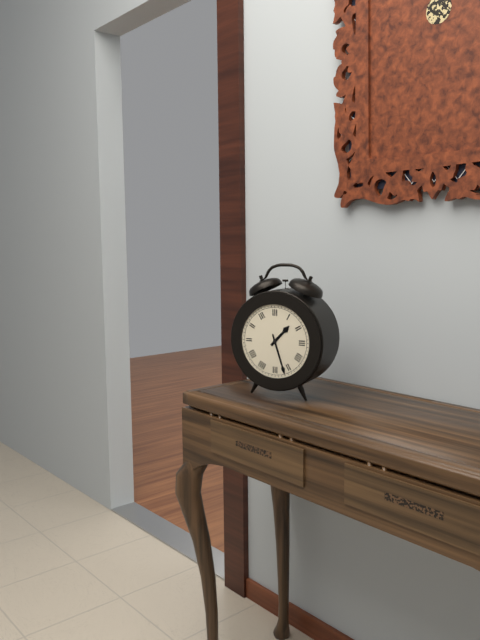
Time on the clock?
1:27
